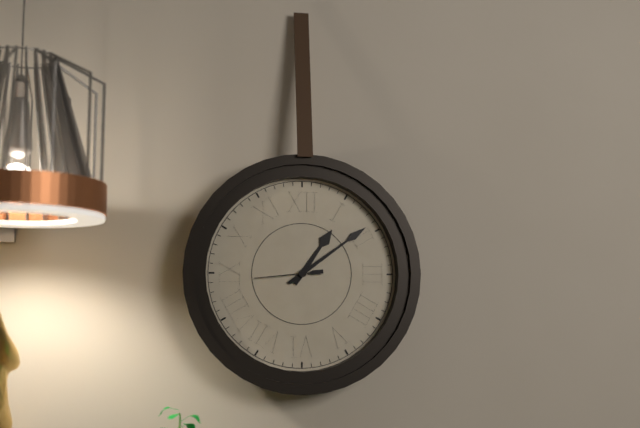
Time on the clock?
1:09:44
